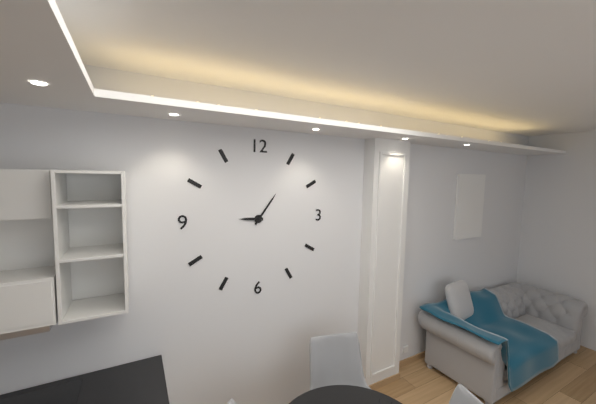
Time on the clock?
9:06
